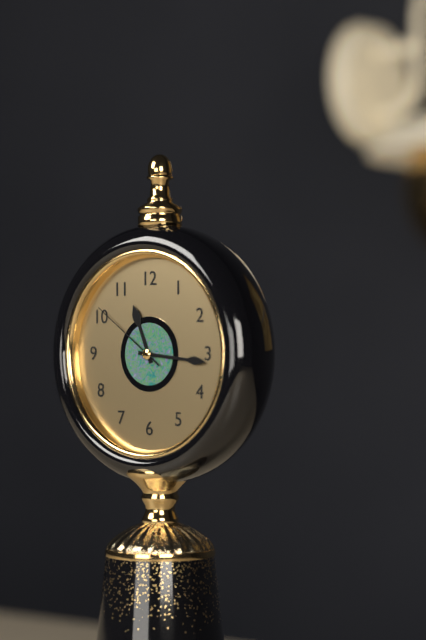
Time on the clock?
11:16:51
